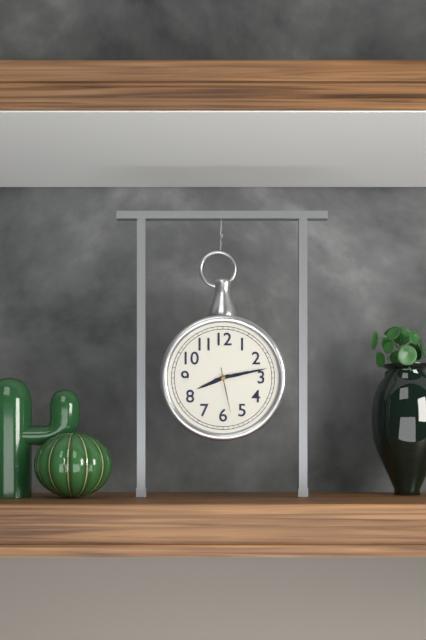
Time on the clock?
8:13
